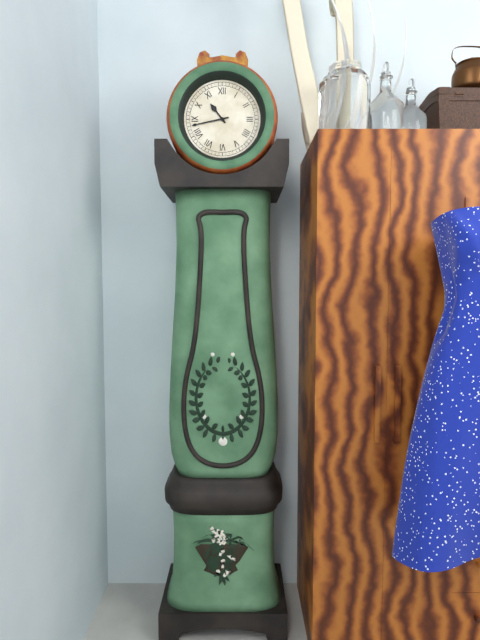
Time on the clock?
10:43
